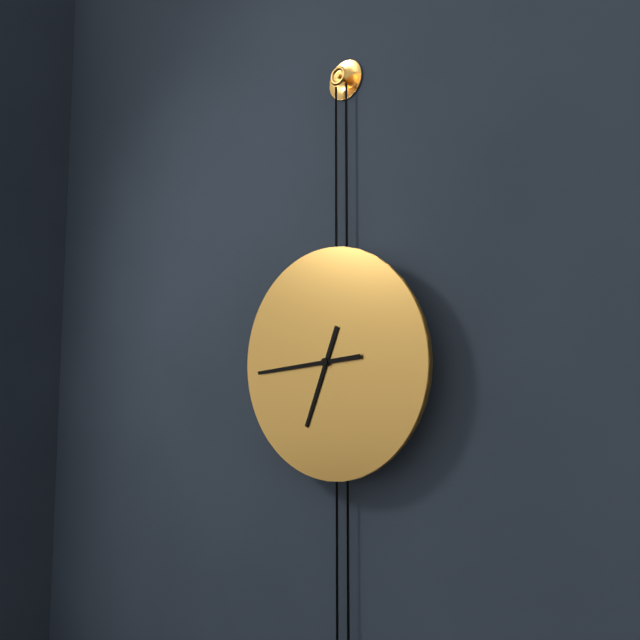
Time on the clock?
6:44
